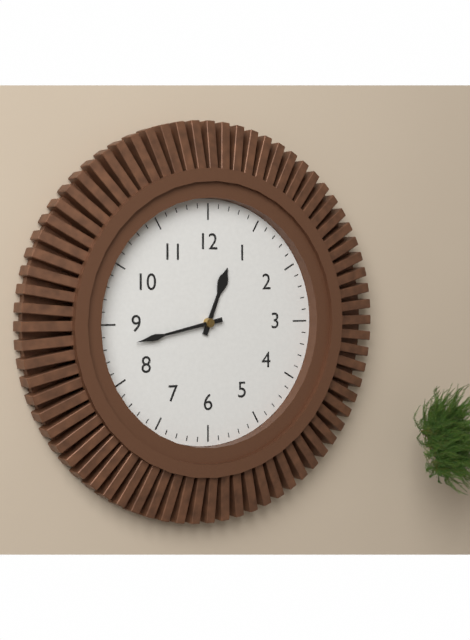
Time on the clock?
12:43
